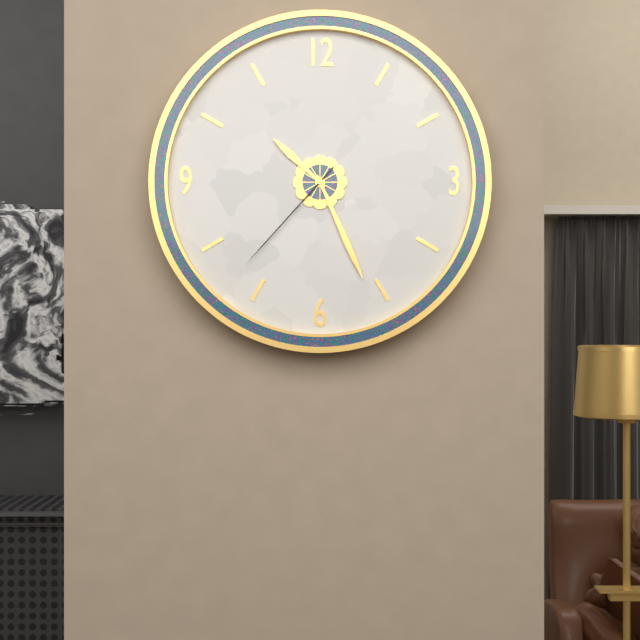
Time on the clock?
10:26:37
